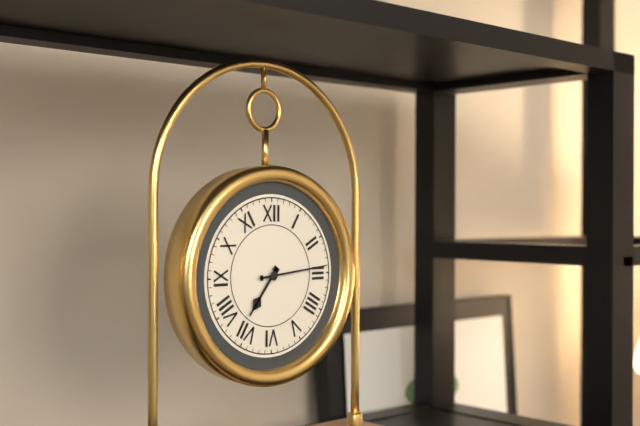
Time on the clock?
7:14
